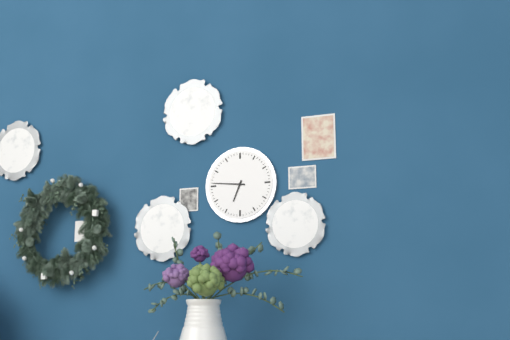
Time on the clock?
6:46
